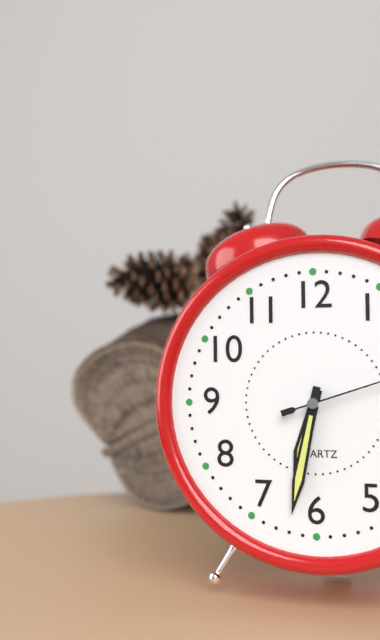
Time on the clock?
6:32
